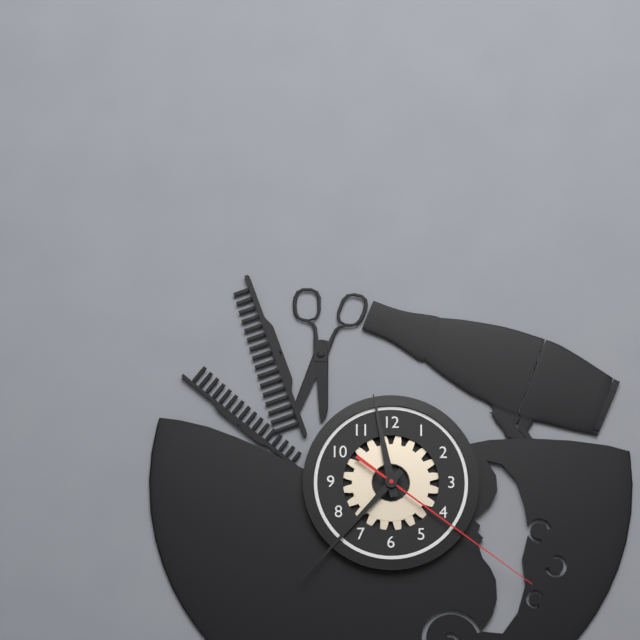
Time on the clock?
11:37:21
